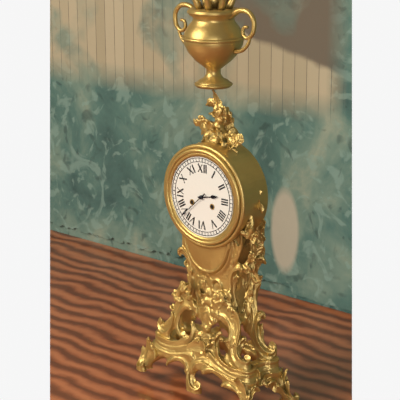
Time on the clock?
2:38
